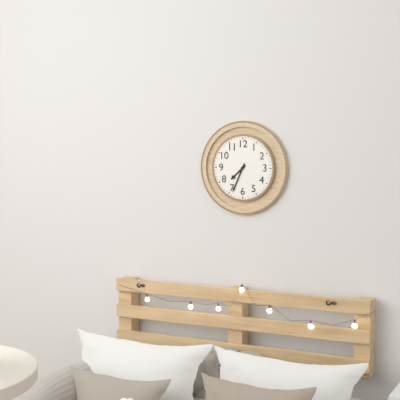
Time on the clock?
7:34
